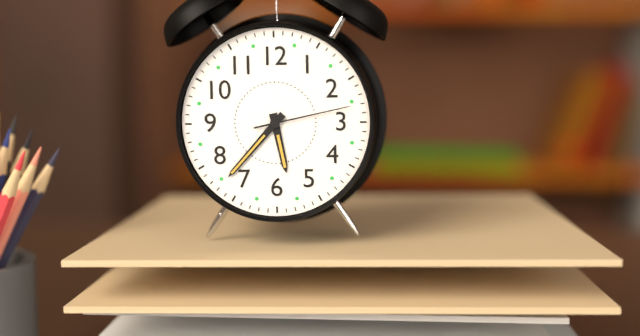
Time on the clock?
5:37:13
